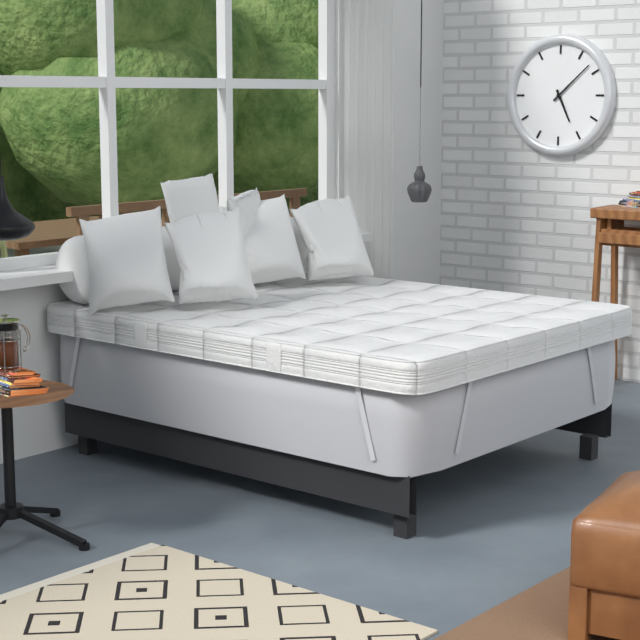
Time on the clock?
5:08
